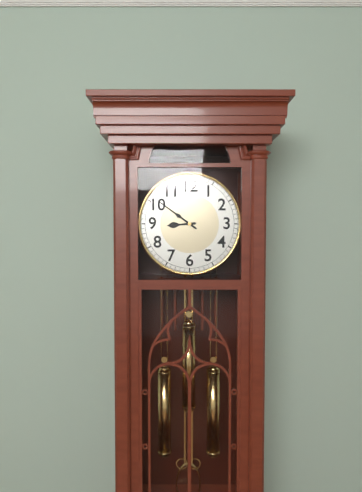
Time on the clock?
8:51
